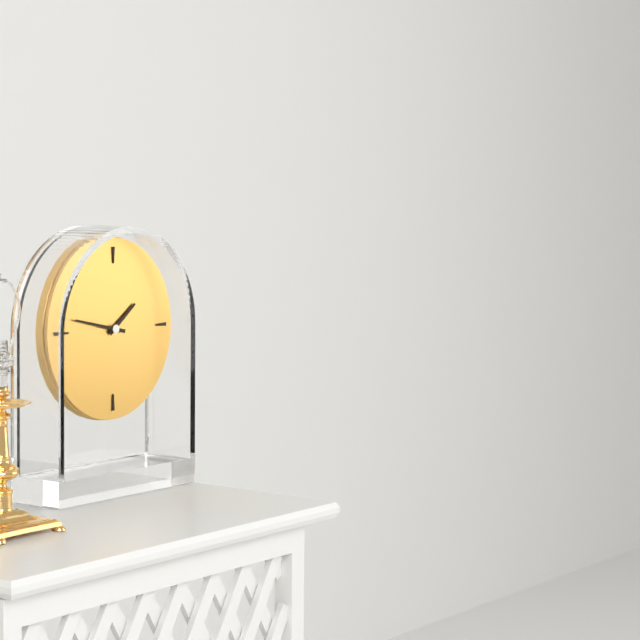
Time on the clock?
1:47
